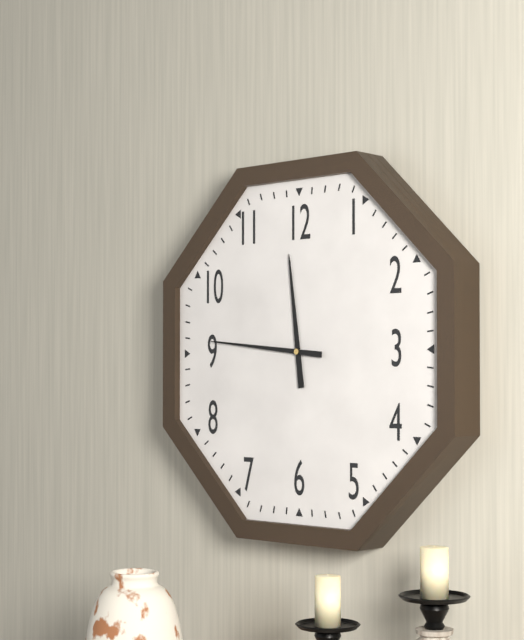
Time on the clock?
11:46
